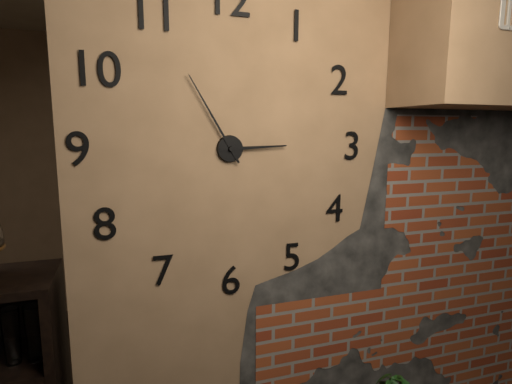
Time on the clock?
2:55
